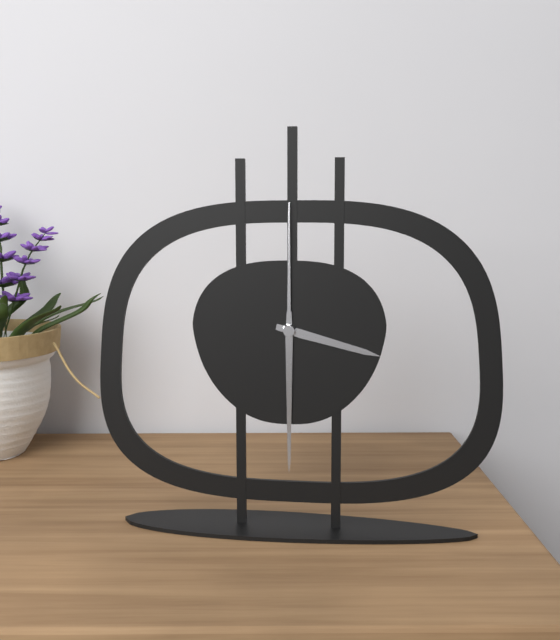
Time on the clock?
3:30:00
